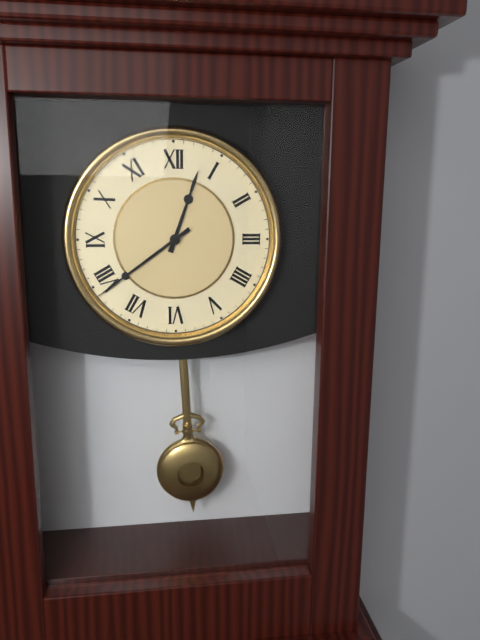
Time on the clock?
12:39
